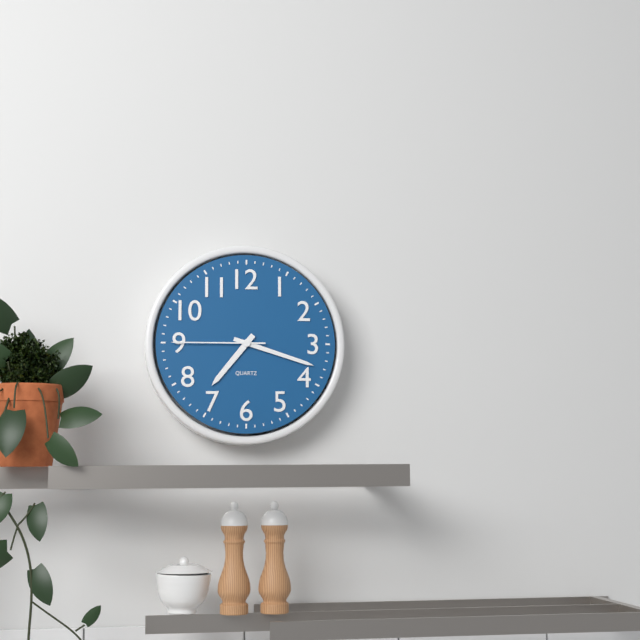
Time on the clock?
7:18:45
